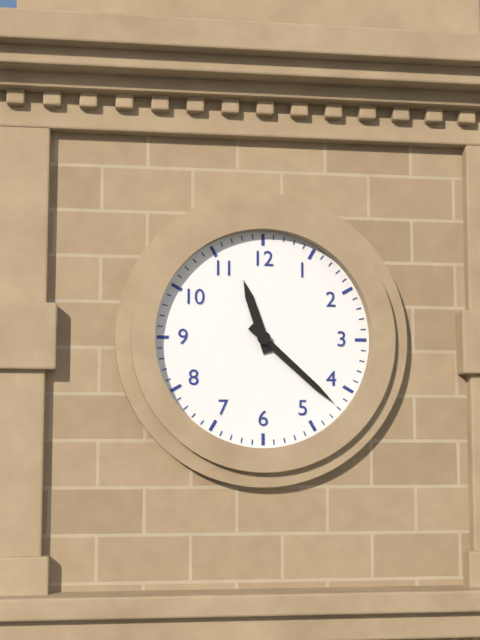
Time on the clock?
11:22
